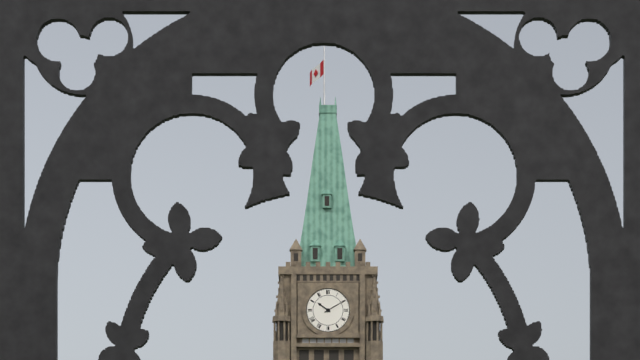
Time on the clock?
10:10
